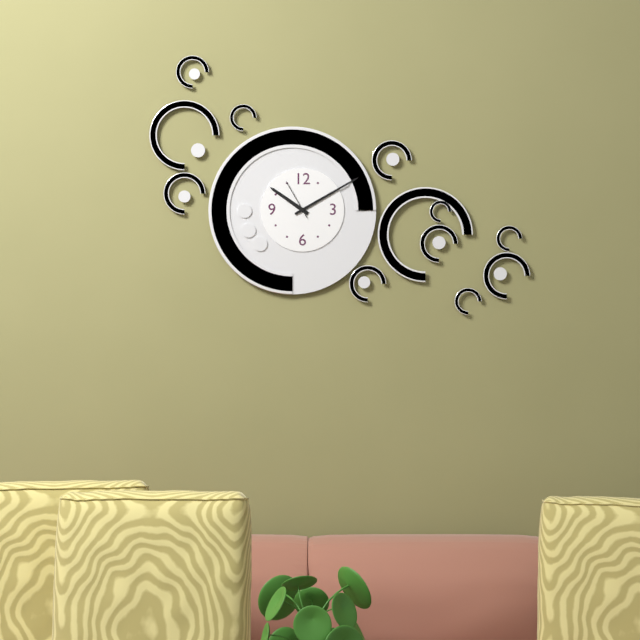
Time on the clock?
10:10
